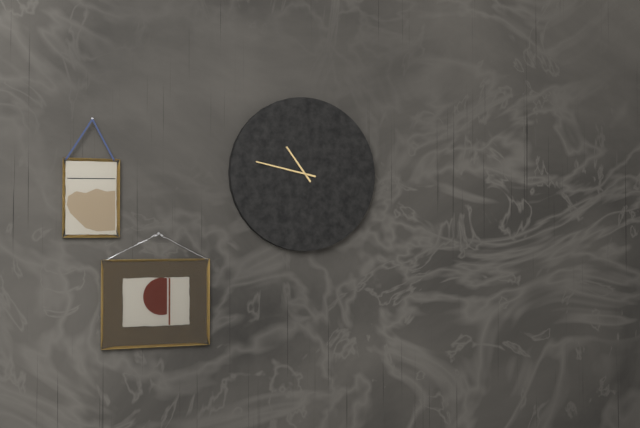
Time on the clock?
10:47
